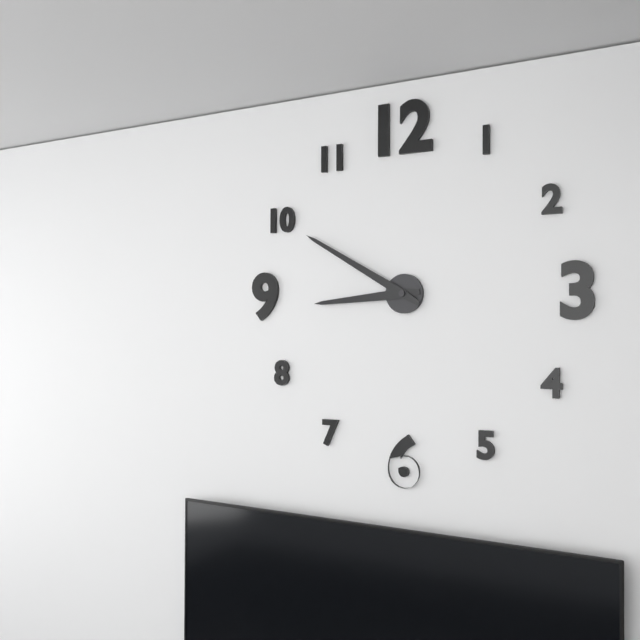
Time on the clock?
8:50
